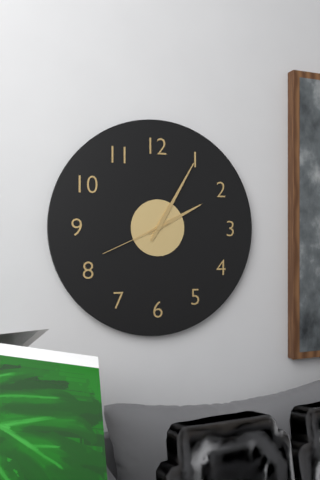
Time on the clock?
2:05:41
